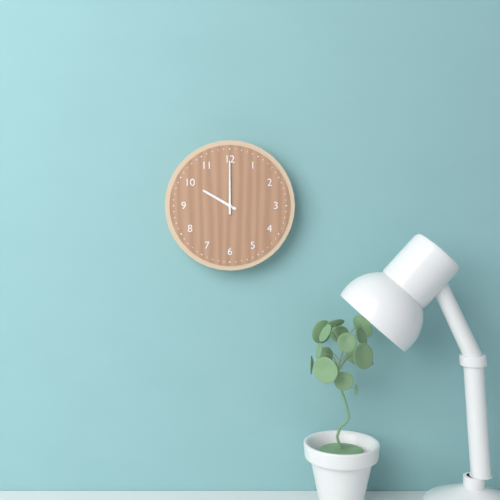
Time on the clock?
10:00
